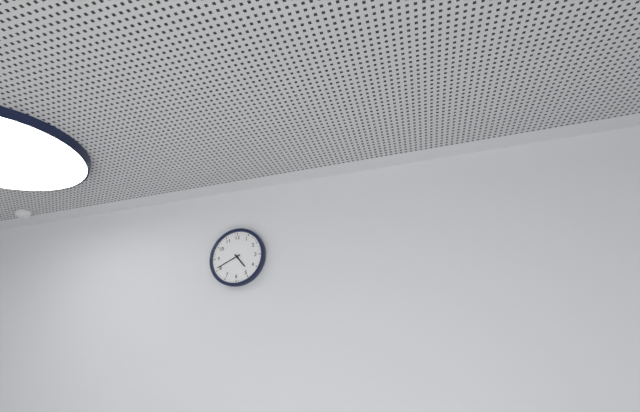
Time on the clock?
4:41
